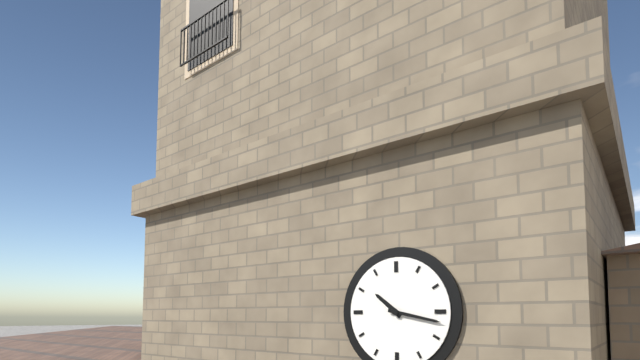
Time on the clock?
10:17
